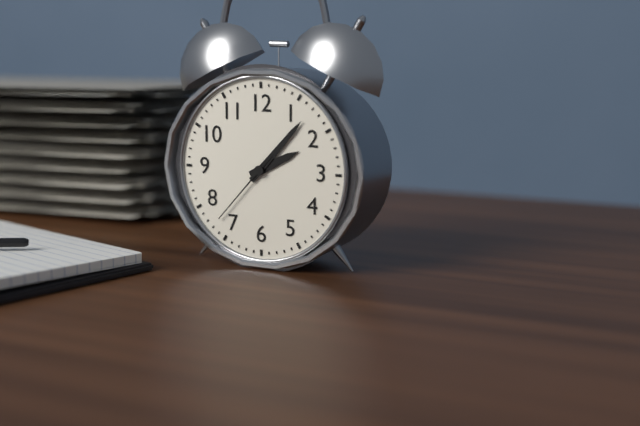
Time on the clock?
2:07:37
